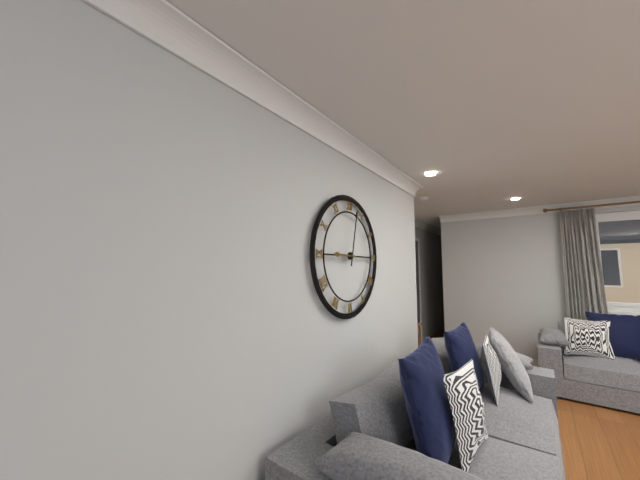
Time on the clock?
9:02
